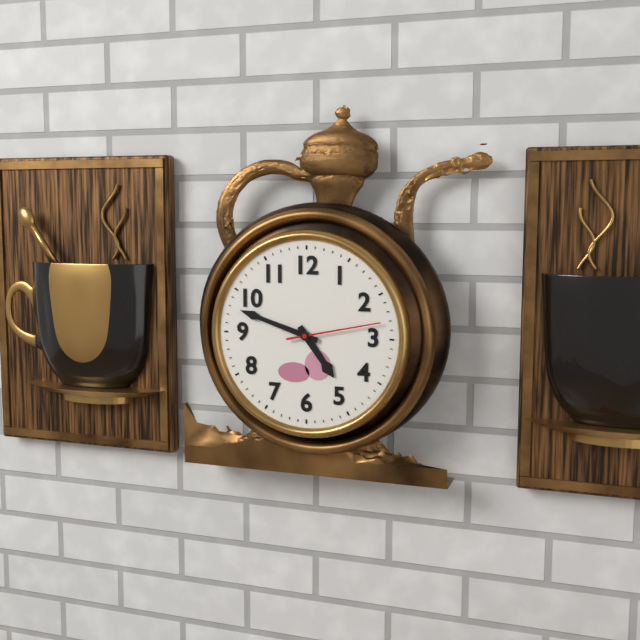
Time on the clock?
4:48:13
